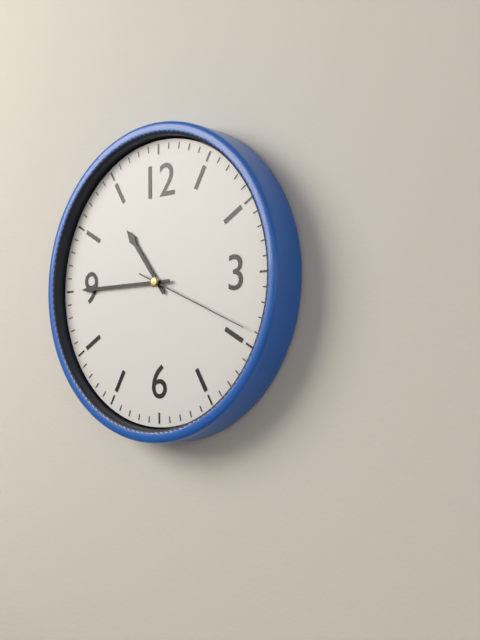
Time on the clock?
10:45:19
